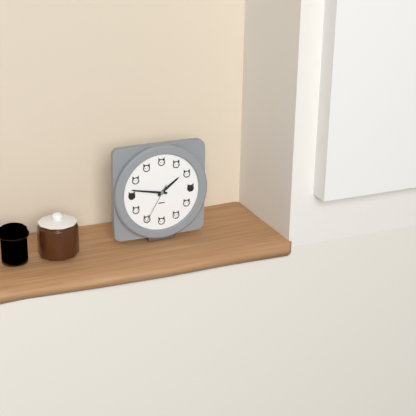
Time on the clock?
1:47
